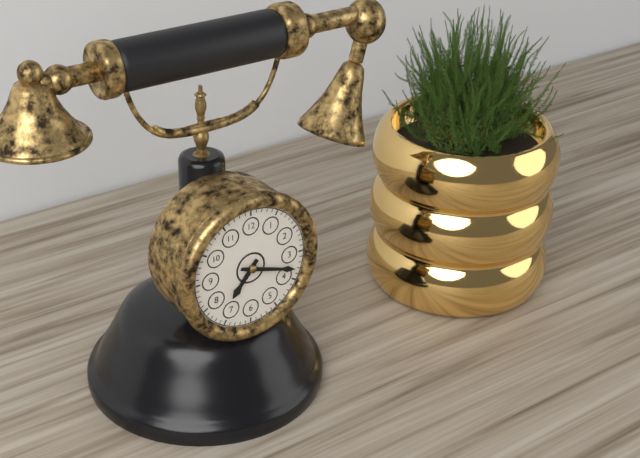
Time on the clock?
7:18
